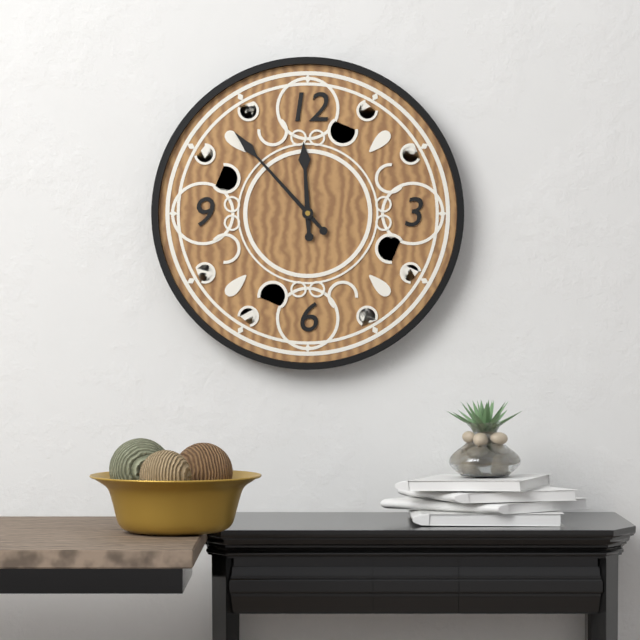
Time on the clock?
11:53
